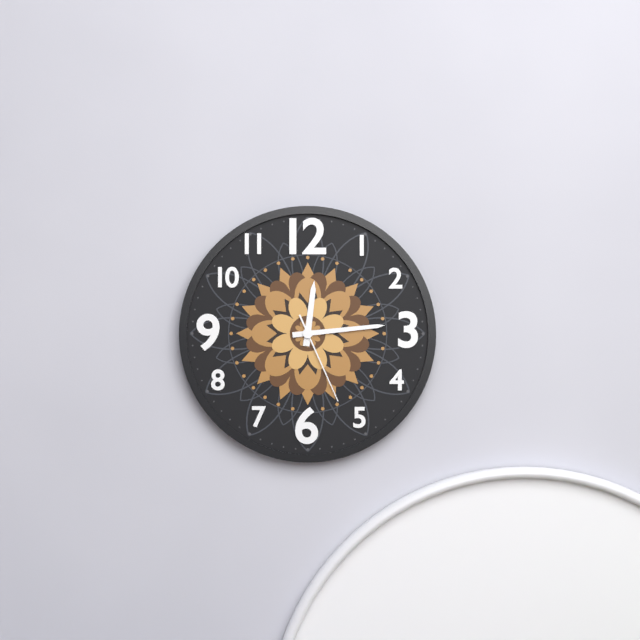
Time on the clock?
12:14:26
